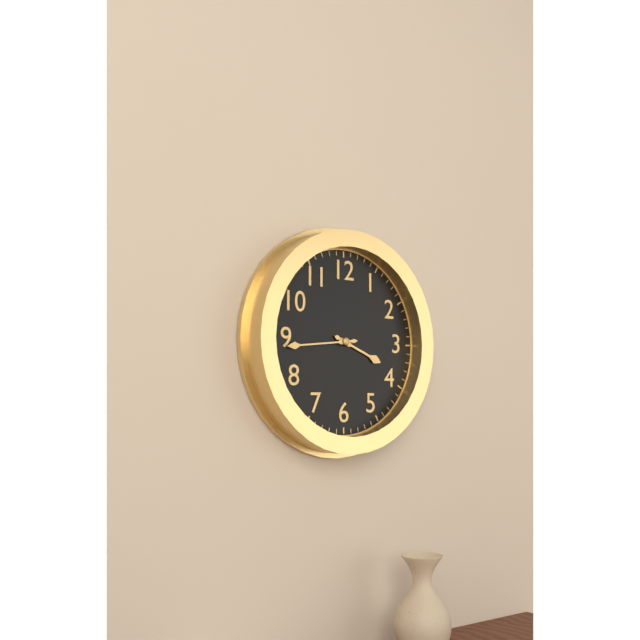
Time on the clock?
3:44
